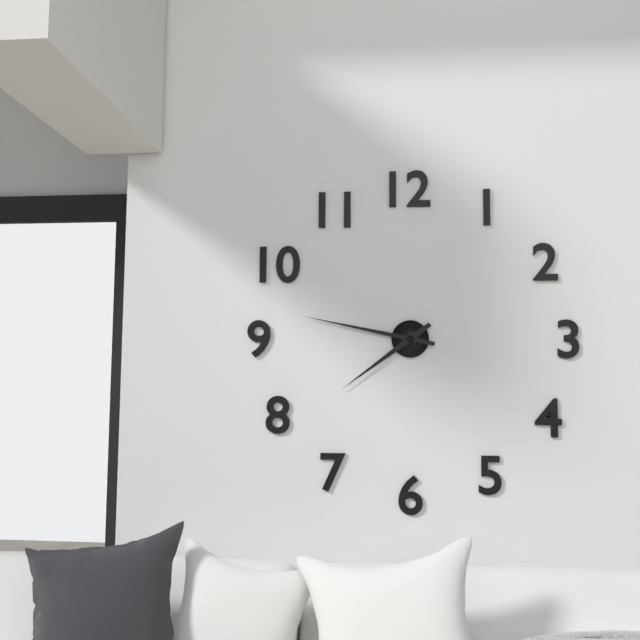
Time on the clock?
7:47
